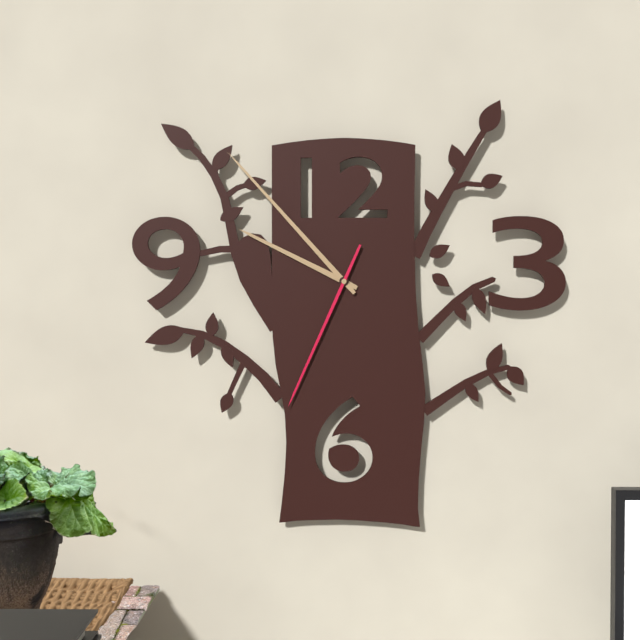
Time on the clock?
9:53:34
